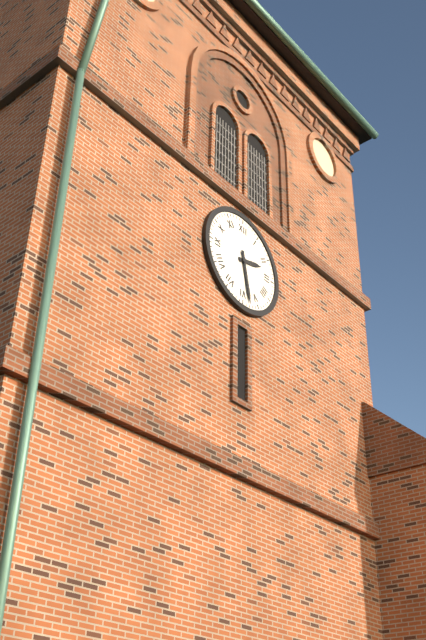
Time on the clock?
2:28
